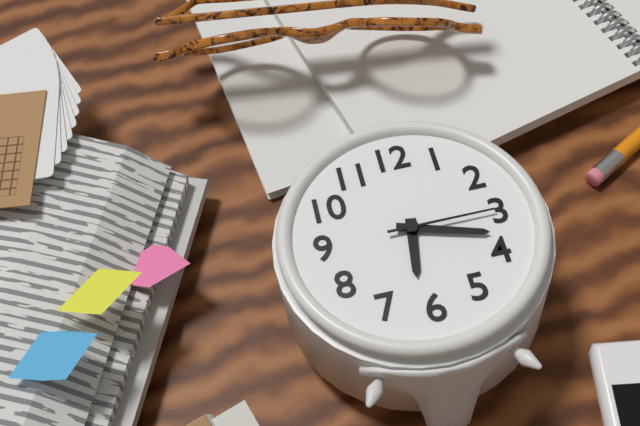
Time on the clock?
6:18:15
